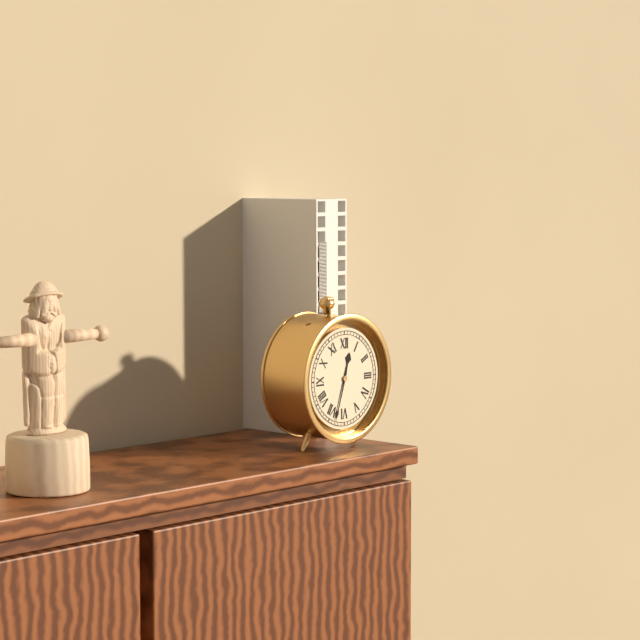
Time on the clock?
12:33
